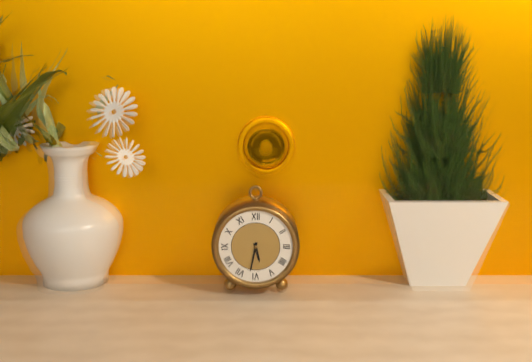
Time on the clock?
5:32
